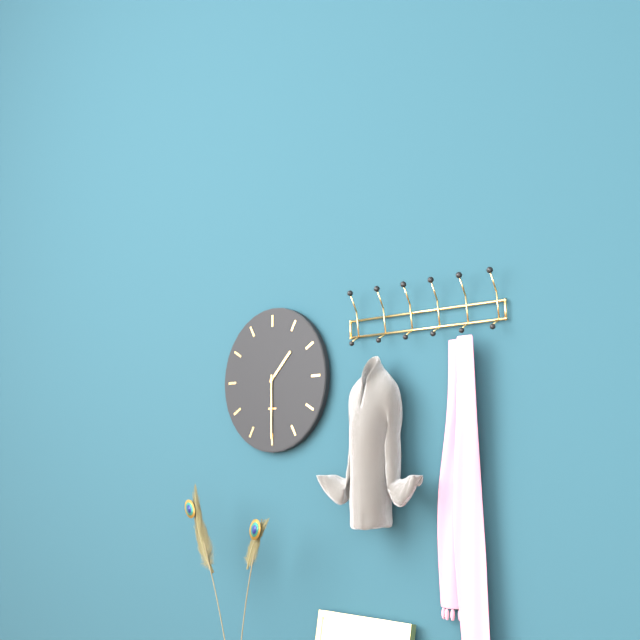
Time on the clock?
1:30
